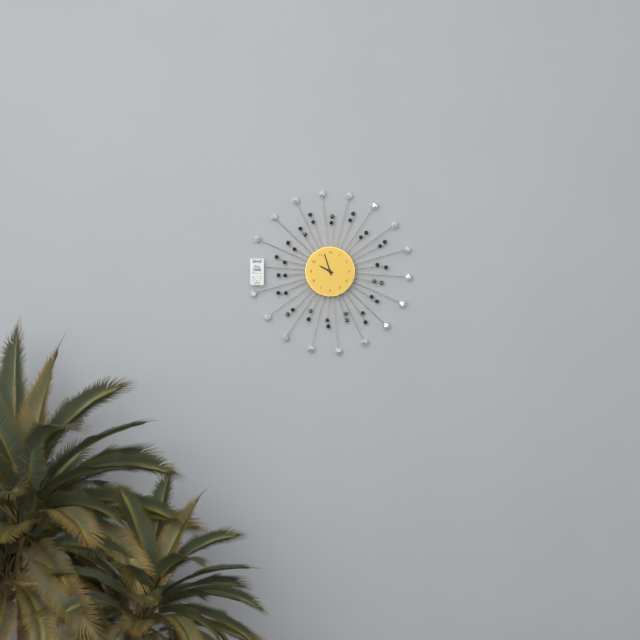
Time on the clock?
9:57
